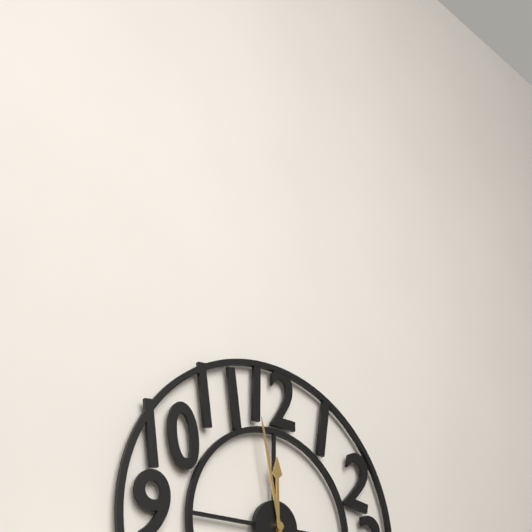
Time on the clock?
11:58
